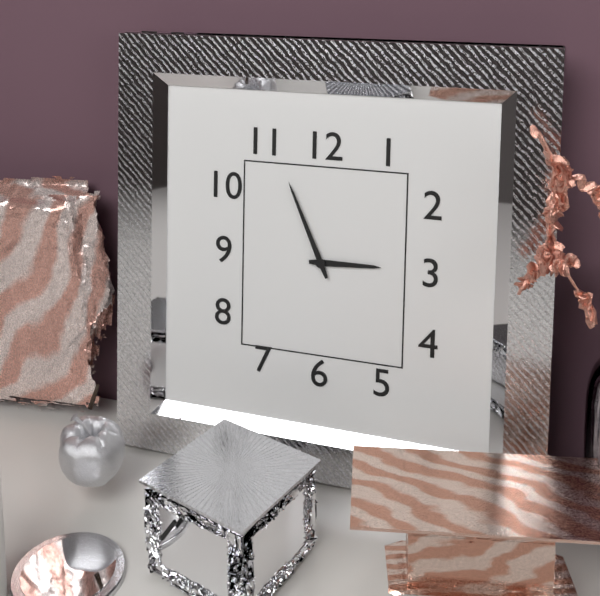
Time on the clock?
2:56
